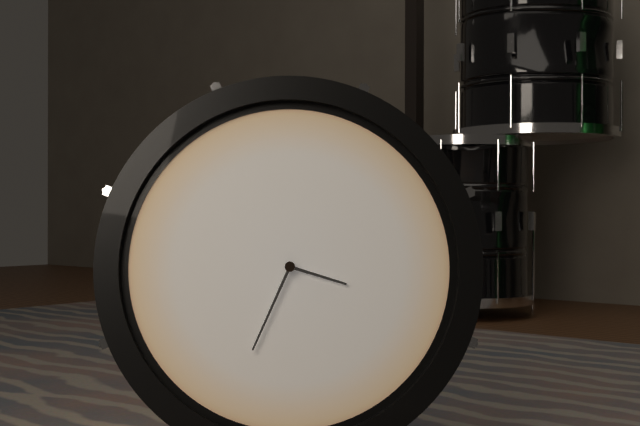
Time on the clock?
3:34
